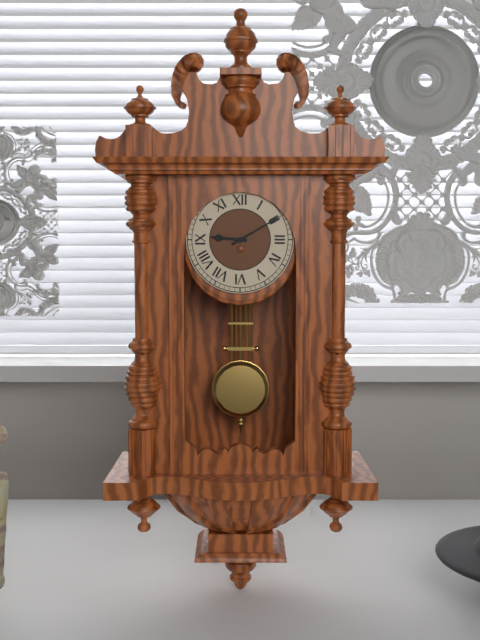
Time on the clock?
9:10
